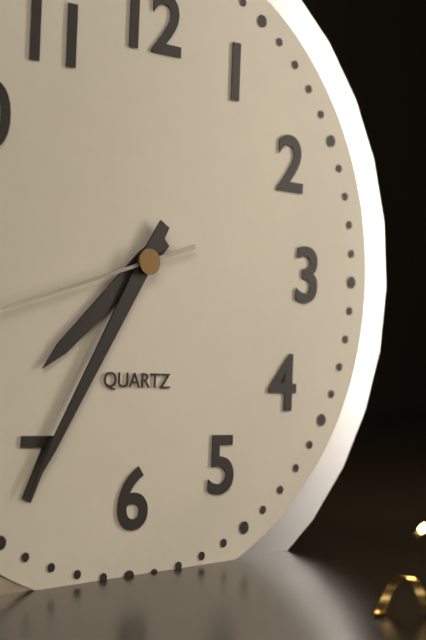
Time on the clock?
7:35
